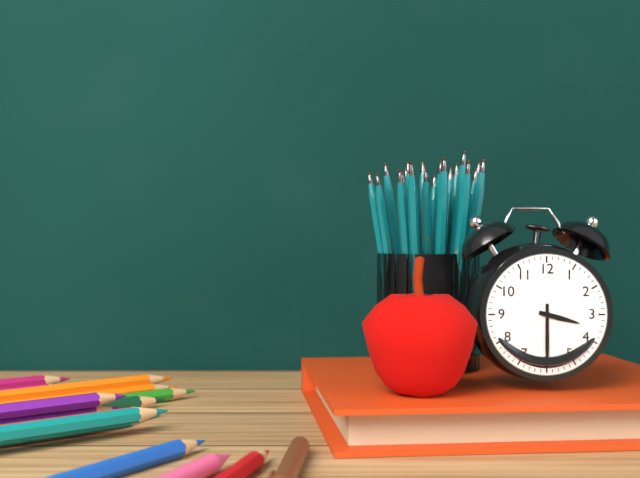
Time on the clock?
3:30
